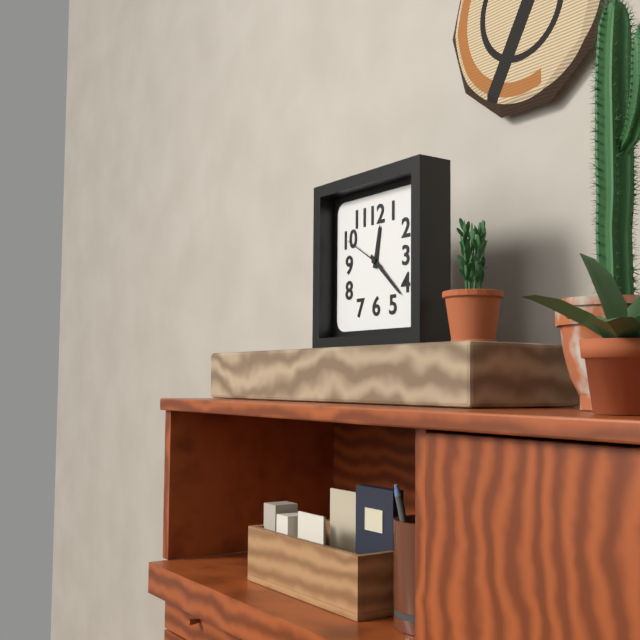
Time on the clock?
12:22
